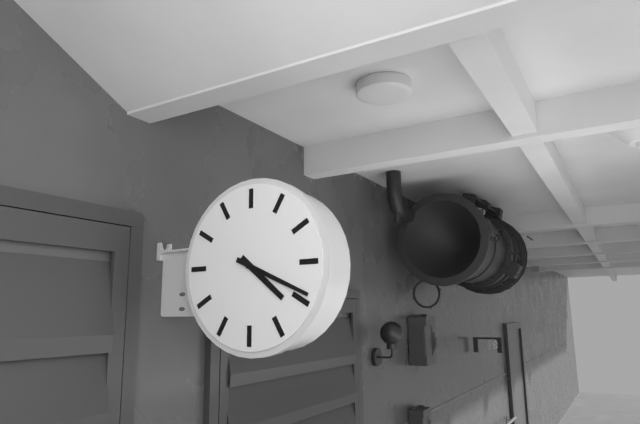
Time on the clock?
4:19
